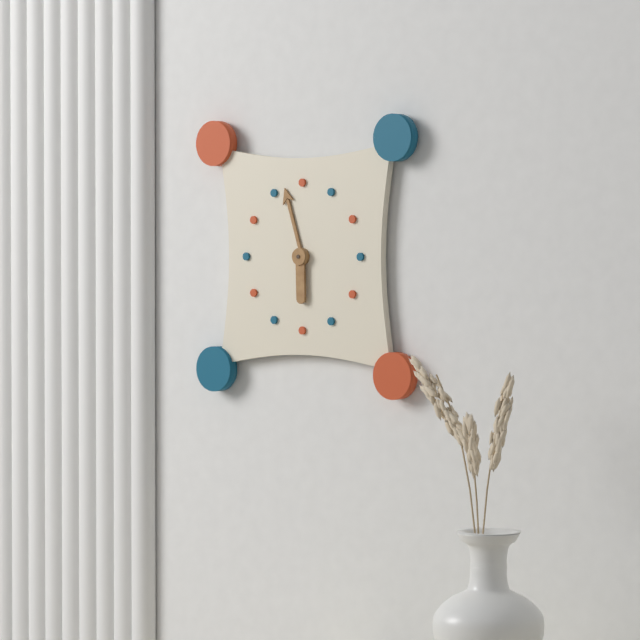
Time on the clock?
5:57
